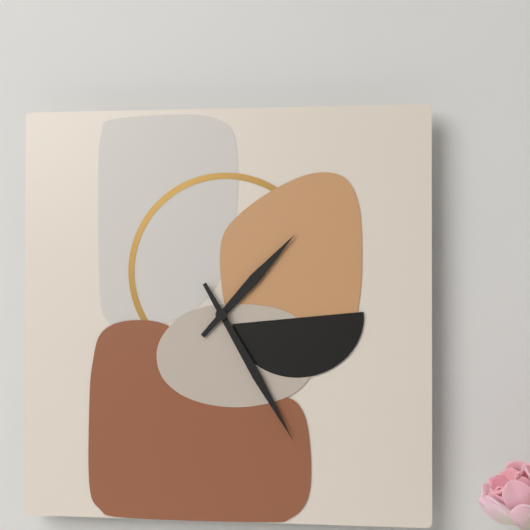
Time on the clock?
1:25
